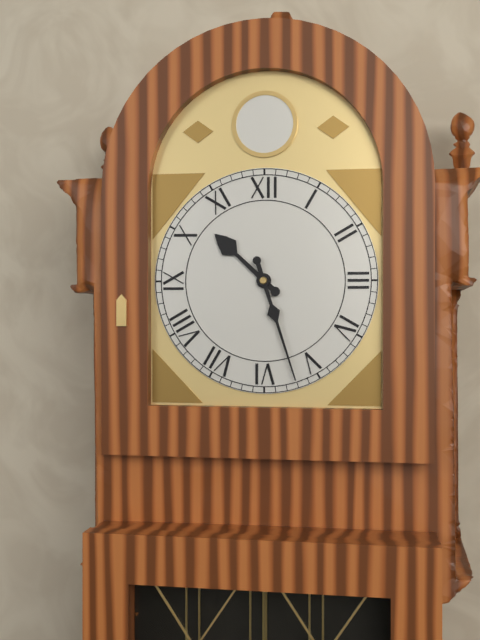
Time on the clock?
10:27
